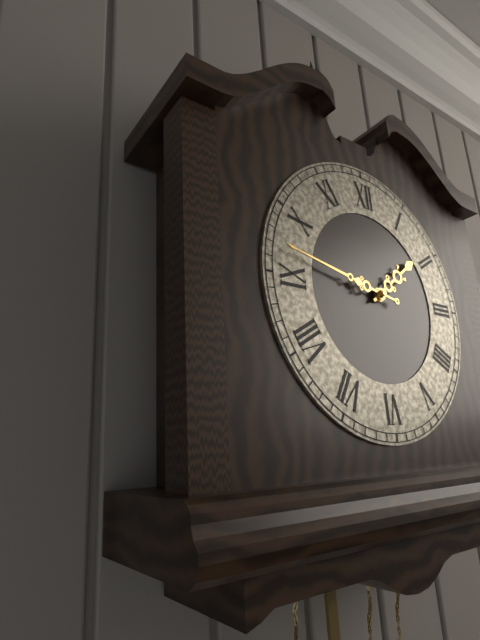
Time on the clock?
1:47
